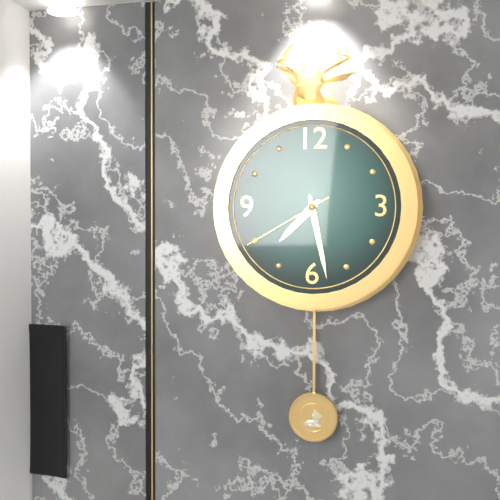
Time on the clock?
7:28:40
